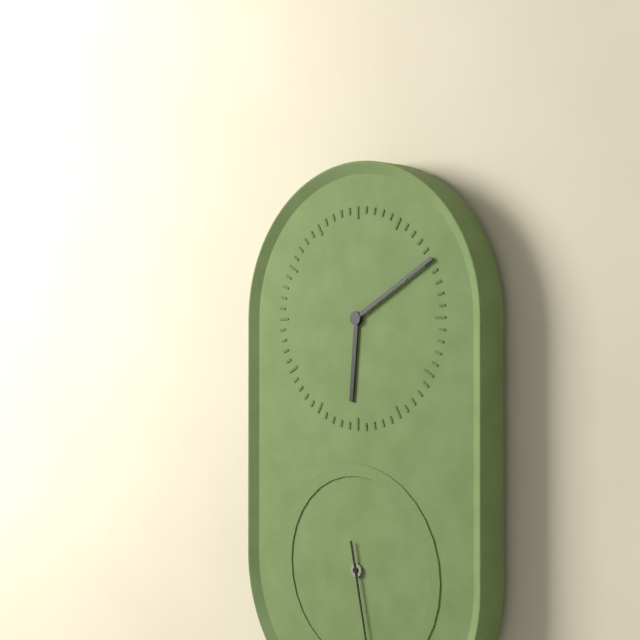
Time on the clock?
6:10
